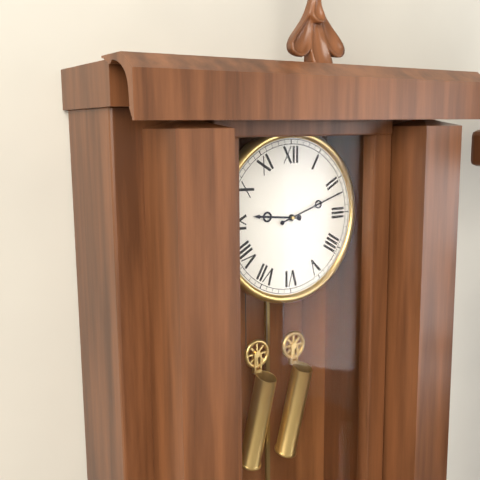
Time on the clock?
9:12
